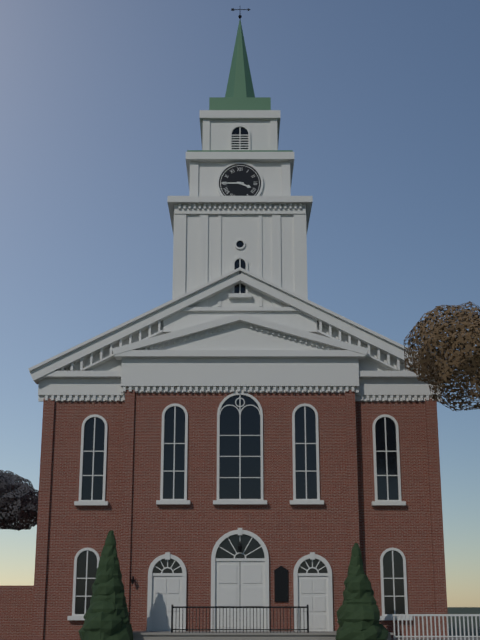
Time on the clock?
3:45
